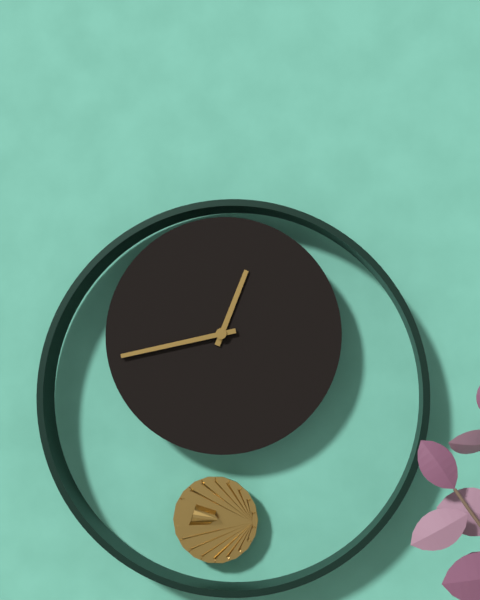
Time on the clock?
12:43
